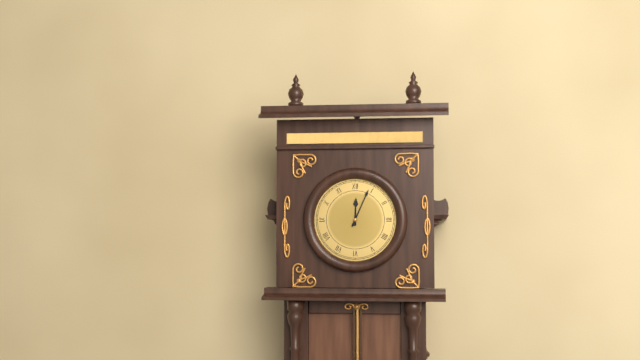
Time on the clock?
12:04
